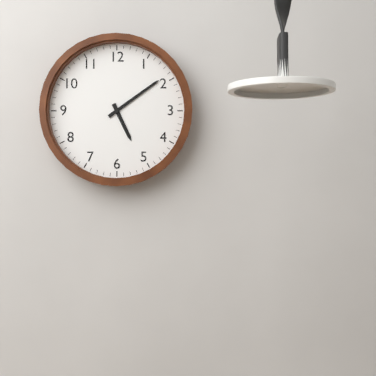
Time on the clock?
5:09
